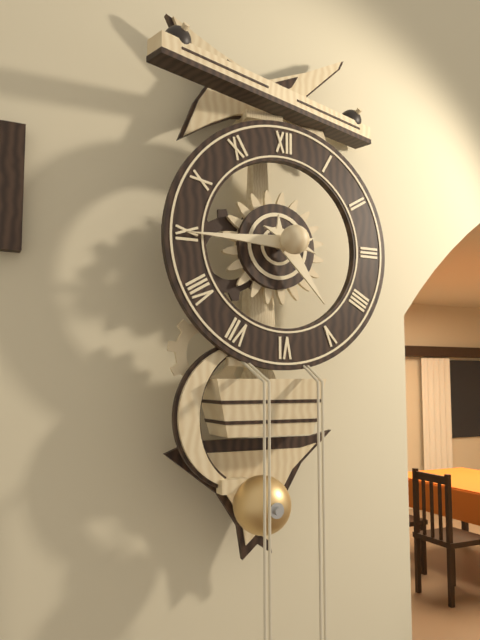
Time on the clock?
4:45
